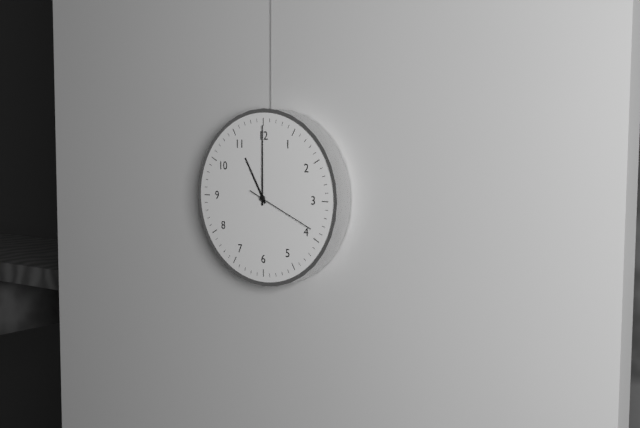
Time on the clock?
11:00:19
